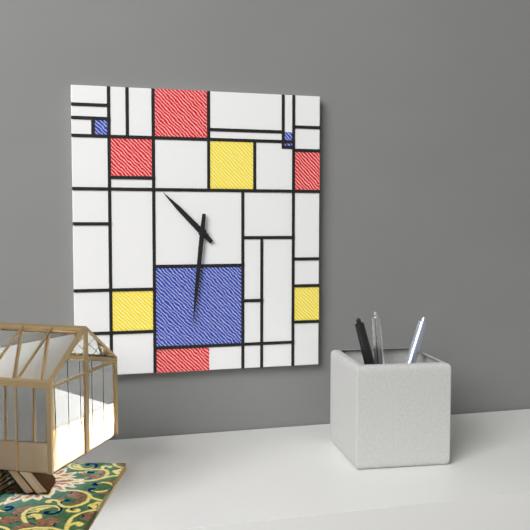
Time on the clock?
10:31
